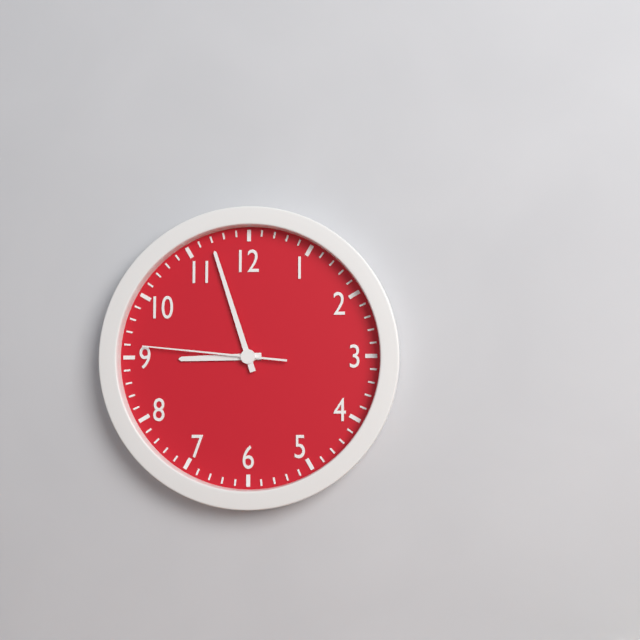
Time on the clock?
8:57:46
